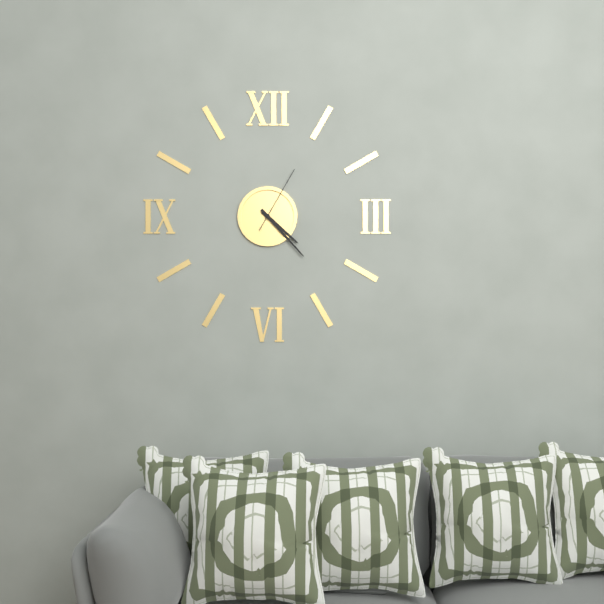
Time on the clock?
4:23:05
